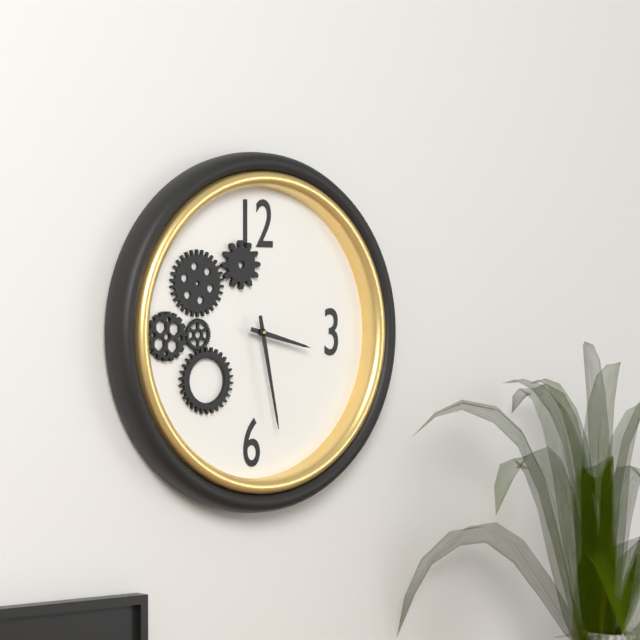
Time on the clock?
3:28
